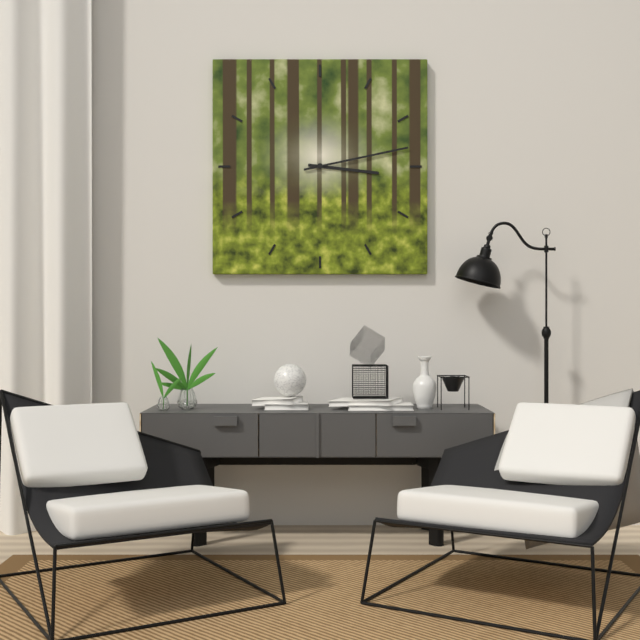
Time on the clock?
3:13
